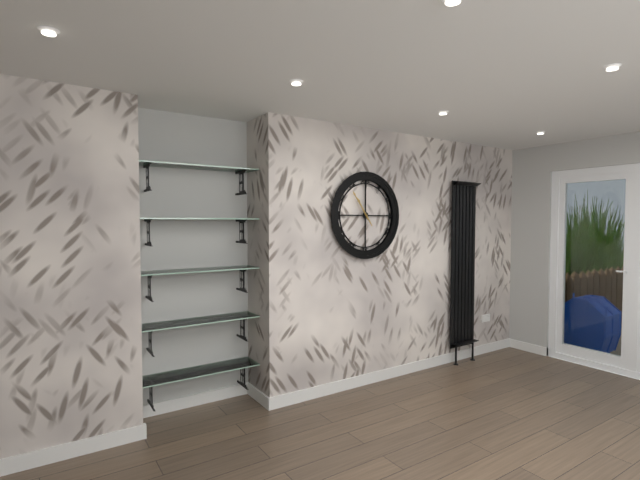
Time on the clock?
10:54
